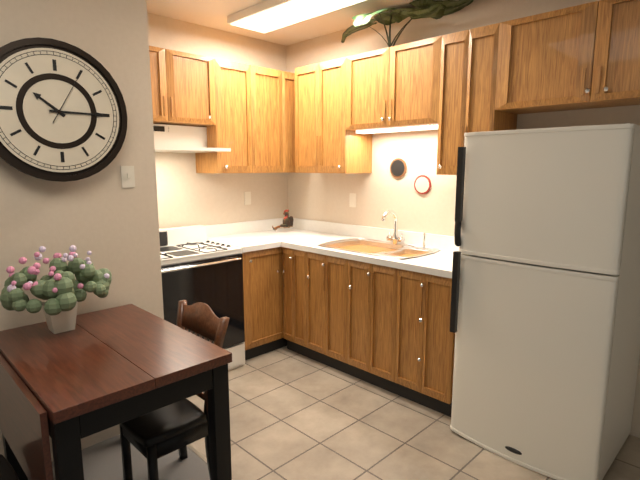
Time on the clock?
10:15:05
